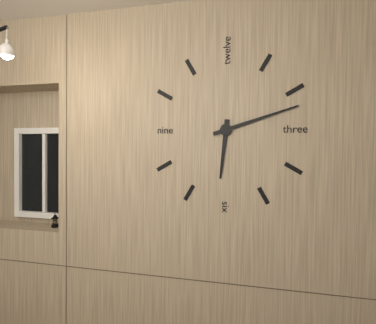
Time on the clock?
6:12
